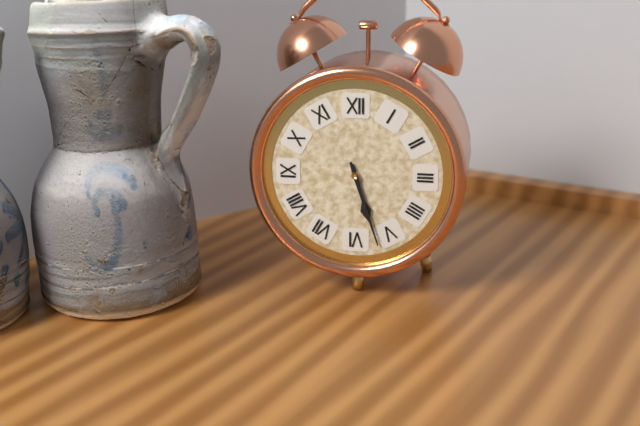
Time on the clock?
5:27
